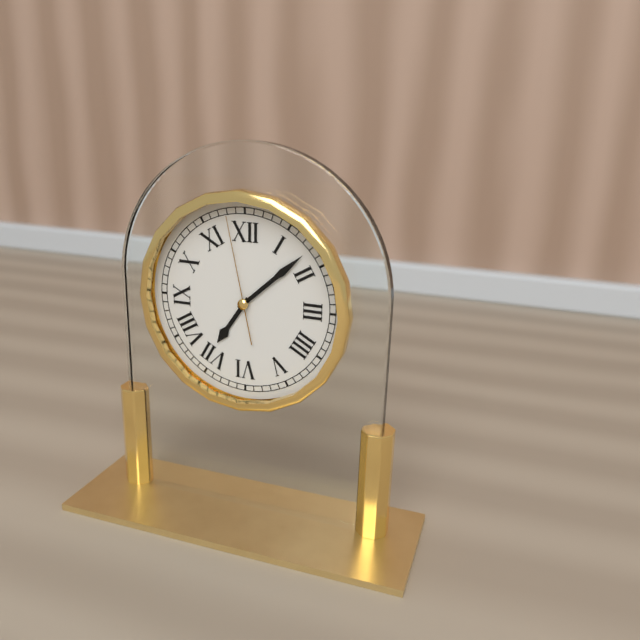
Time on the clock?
7:08:58
